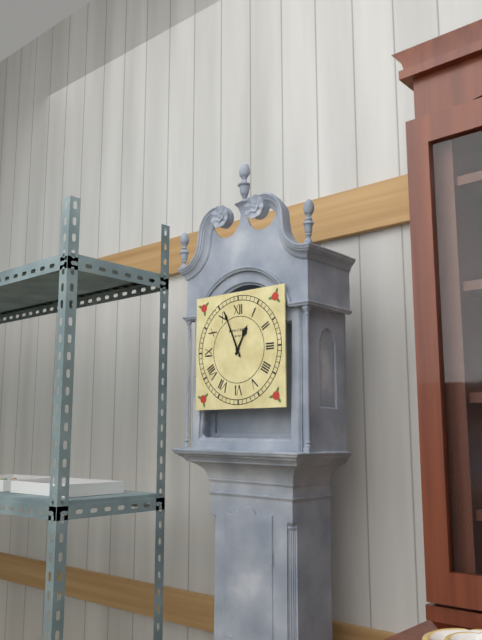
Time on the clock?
12:56
